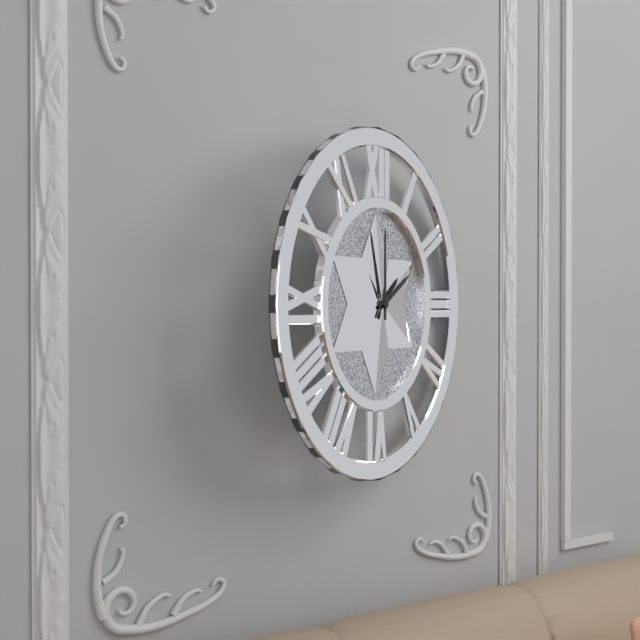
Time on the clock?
2:00
